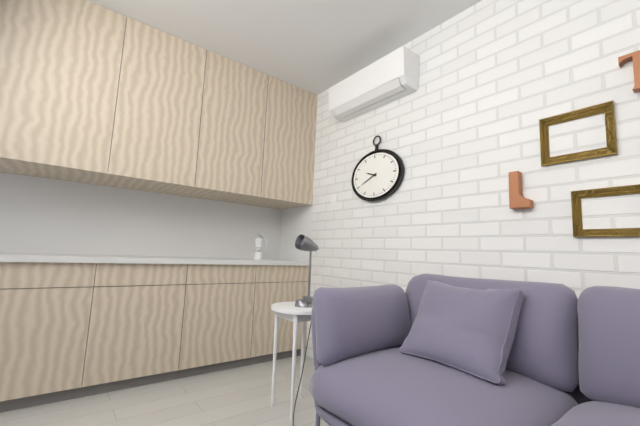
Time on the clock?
9:41
